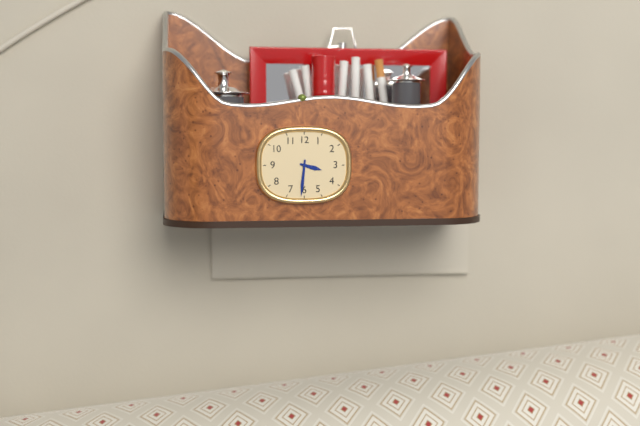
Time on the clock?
3:31
